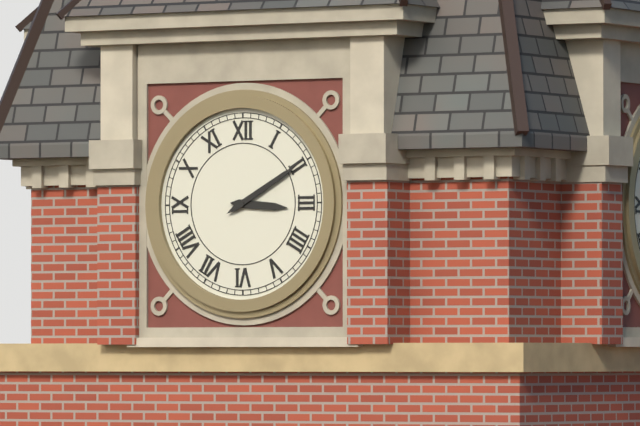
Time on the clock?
3:10
